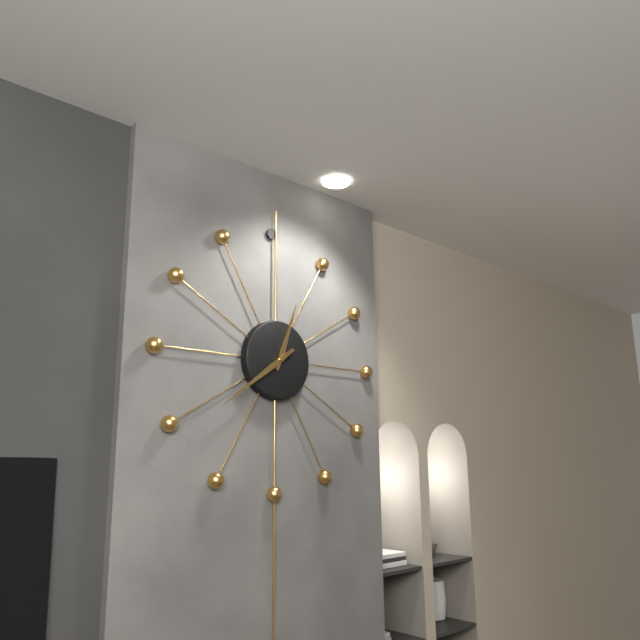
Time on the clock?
12:39
